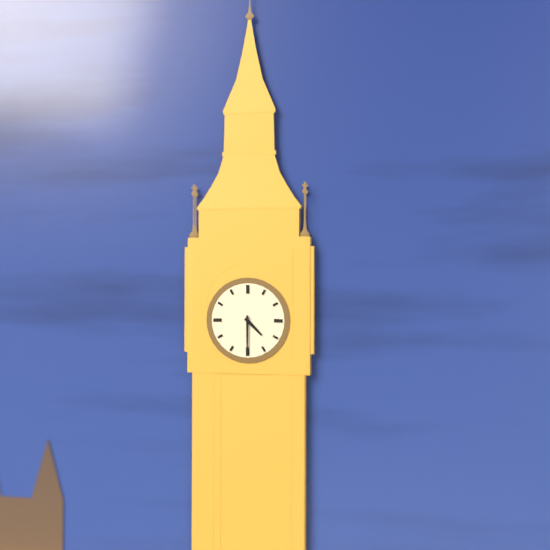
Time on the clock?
4:30
